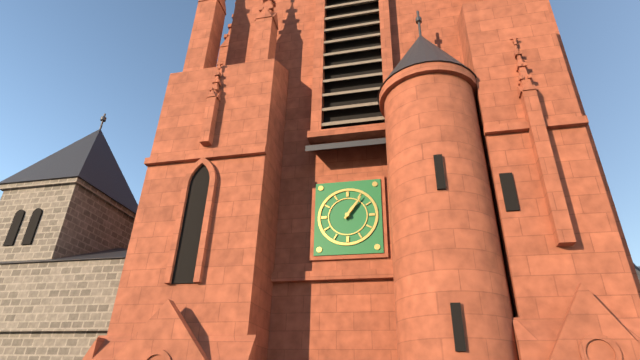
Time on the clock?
1:06
